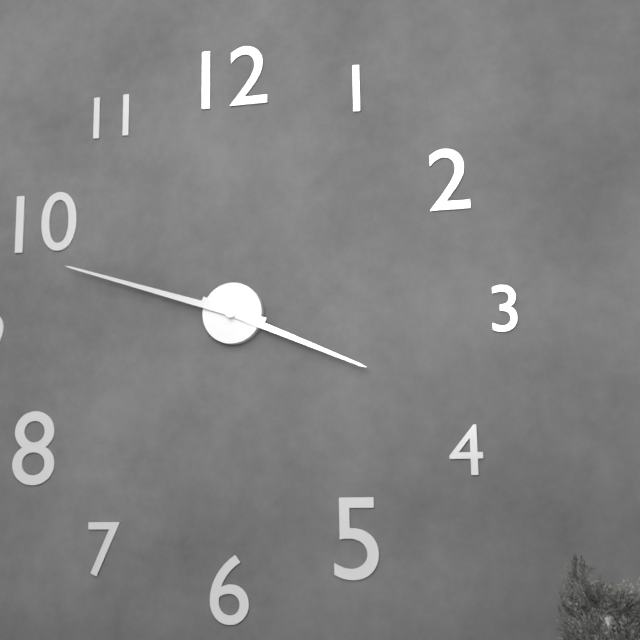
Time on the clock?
3:48
